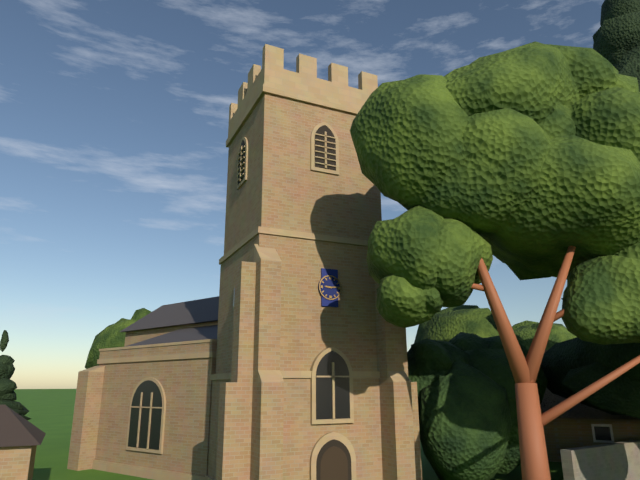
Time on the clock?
9:14
